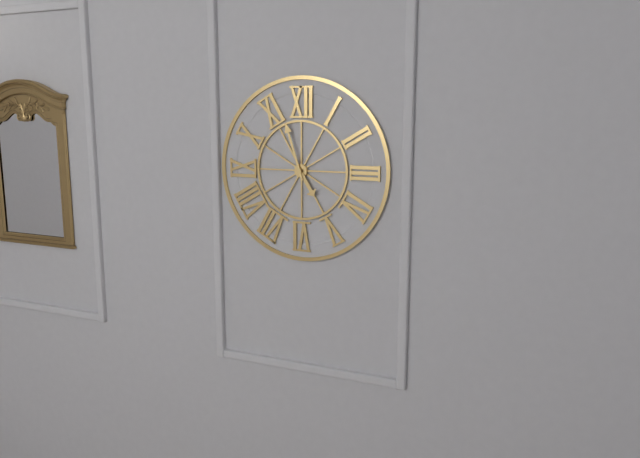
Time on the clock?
4:57
